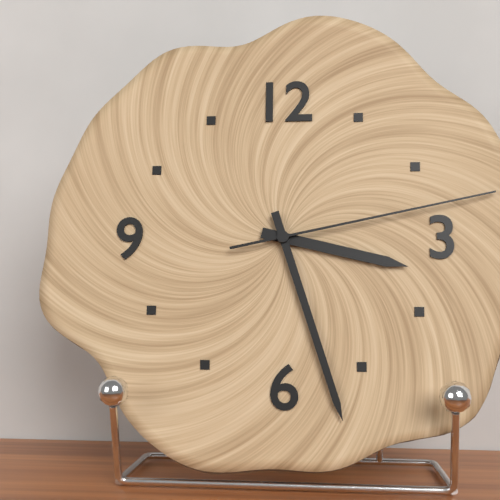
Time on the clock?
3:27:13
